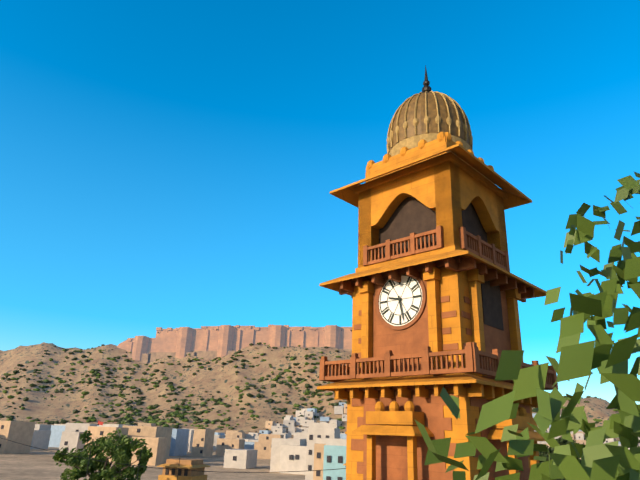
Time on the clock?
9:28
